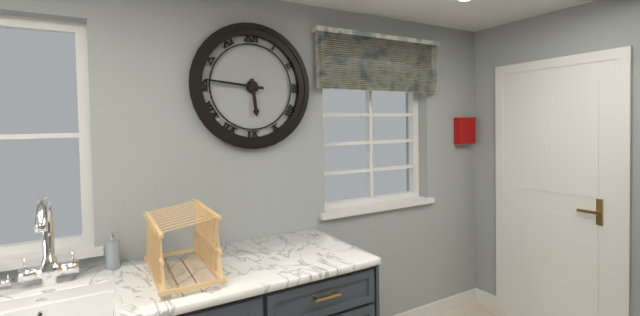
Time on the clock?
5:46
